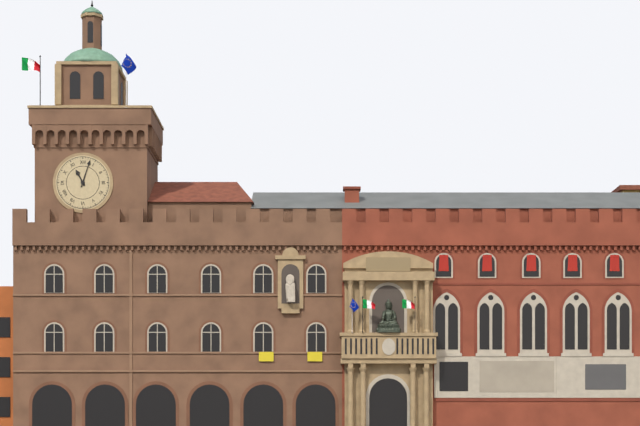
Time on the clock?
11:03
